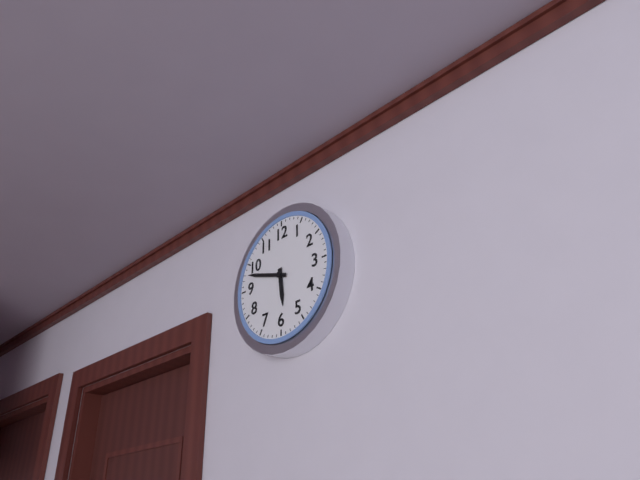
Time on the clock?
5:48
